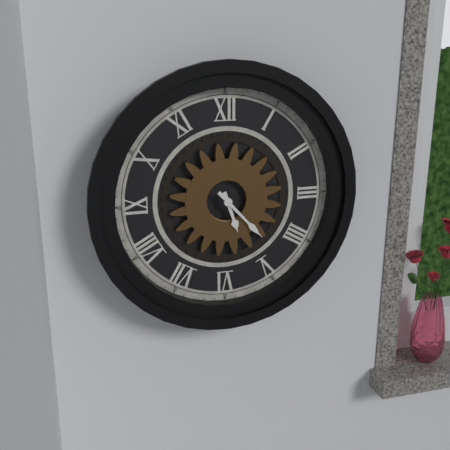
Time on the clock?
5:23
